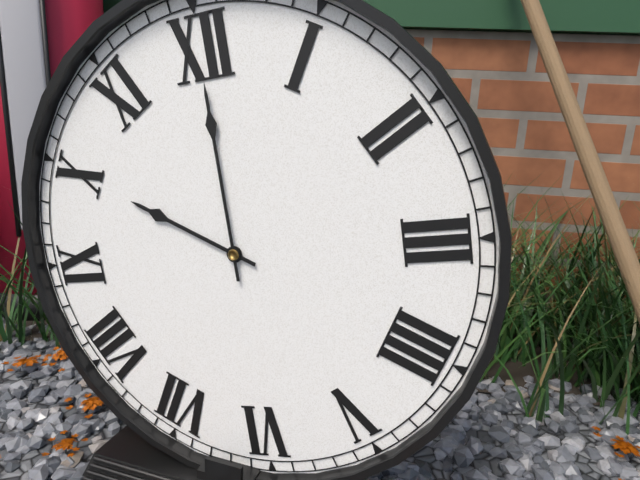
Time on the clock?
10:00
